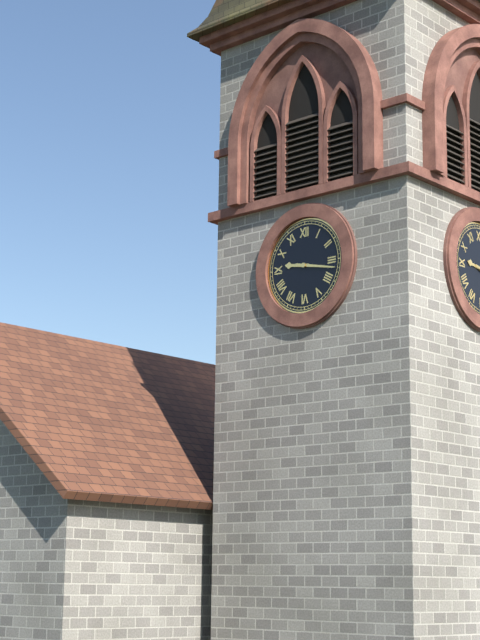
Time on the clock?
9:17
